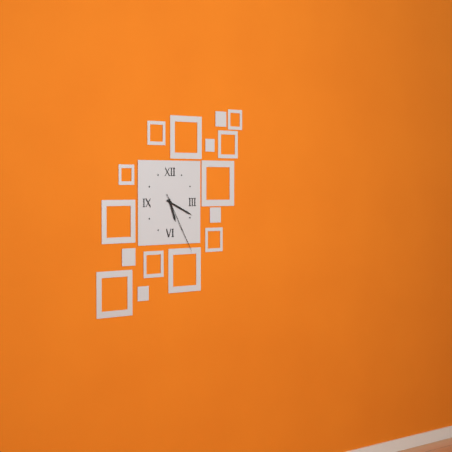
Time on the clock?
5:19:25
